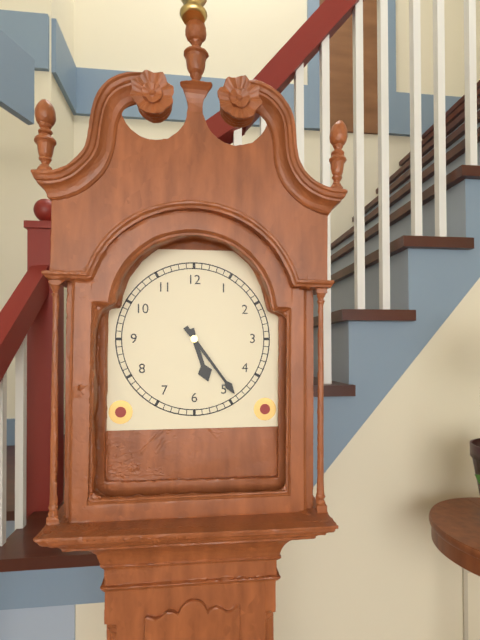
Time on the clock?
5:24
